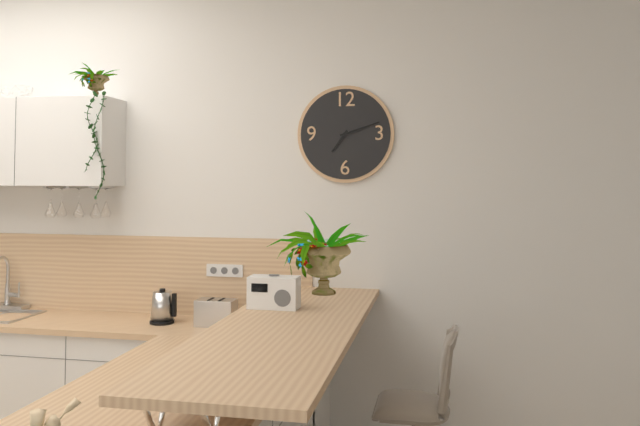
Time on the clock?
7:12
